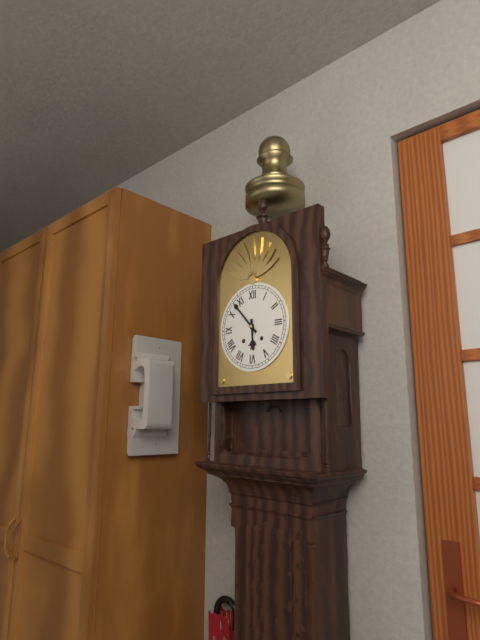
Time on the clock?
5:53
